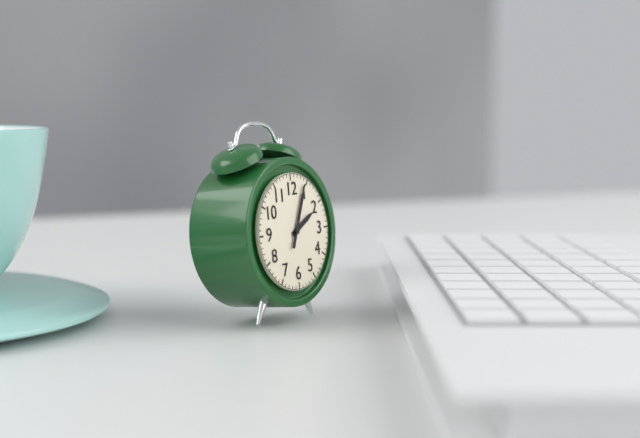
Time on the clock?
2:04
